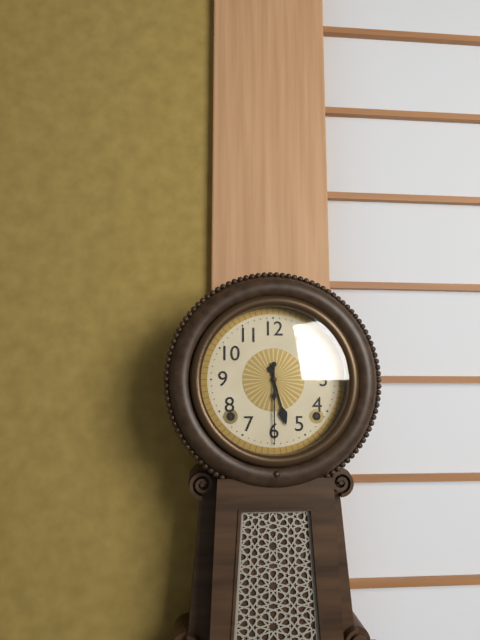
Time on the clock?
5:30
